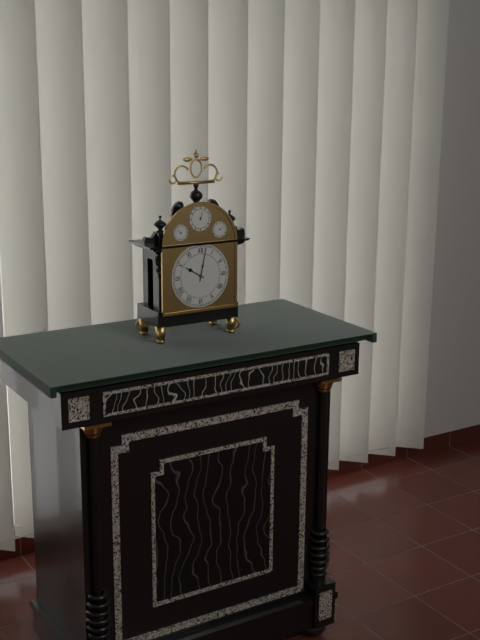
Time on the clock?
10:02
